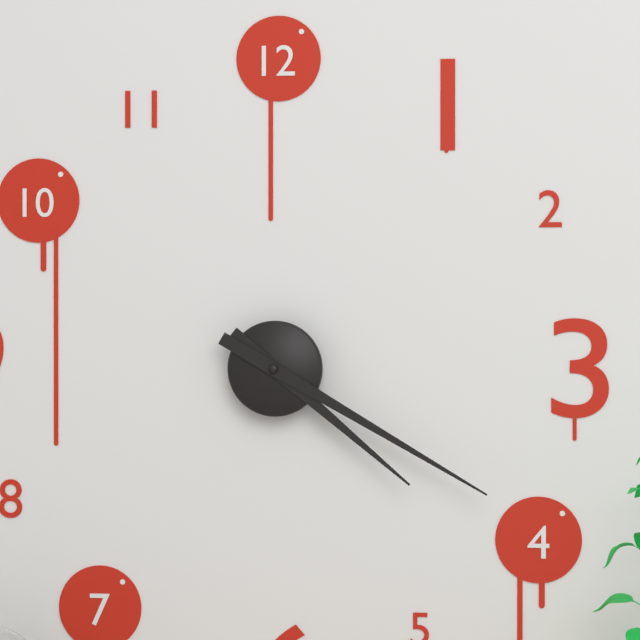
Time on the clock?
4:20
